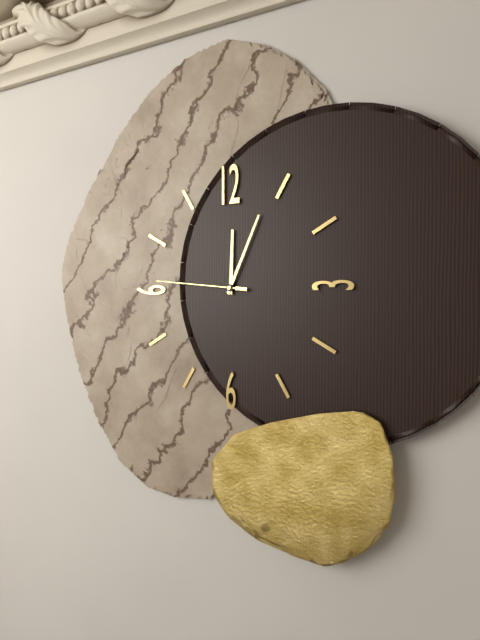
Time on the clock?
12:04:46
